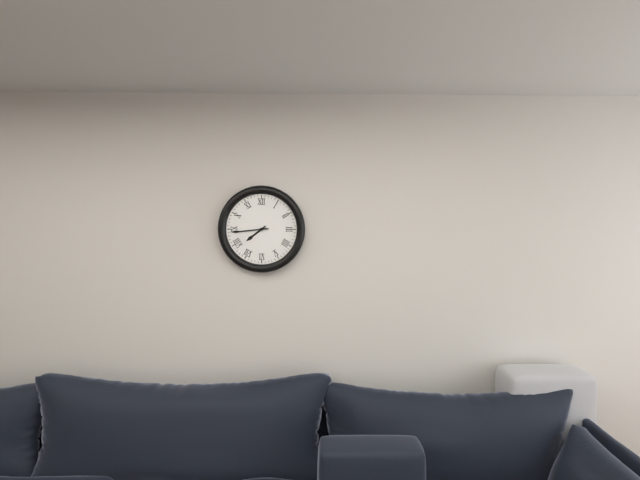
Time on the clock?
7:44
